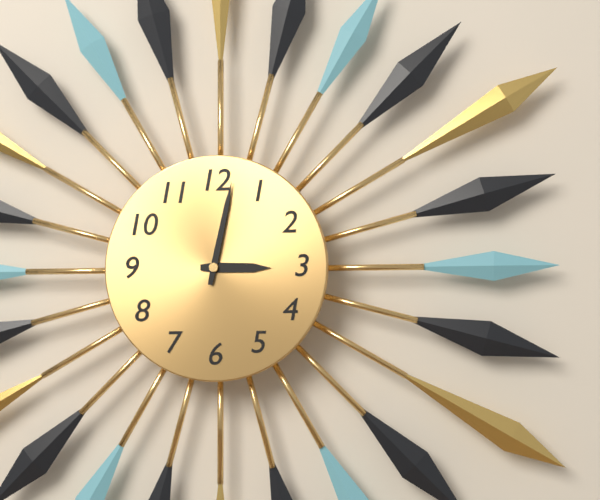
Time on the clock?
3:02
